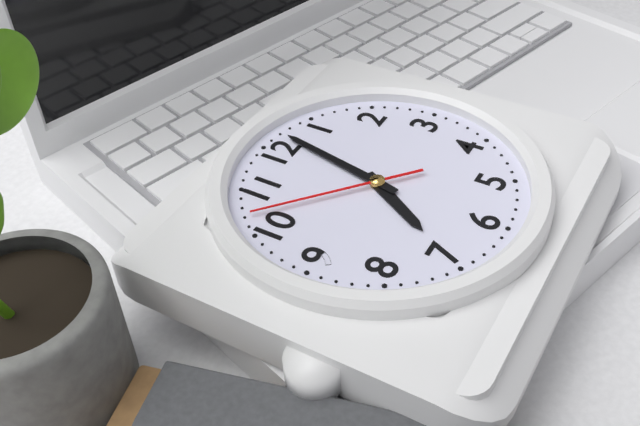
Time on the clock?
7:02:52
